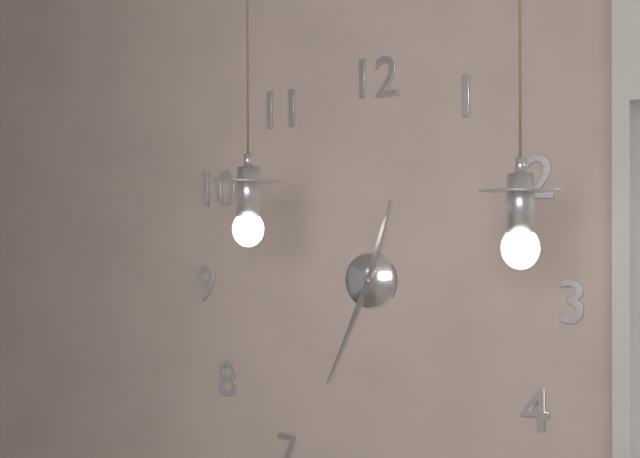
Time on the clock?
12:34
